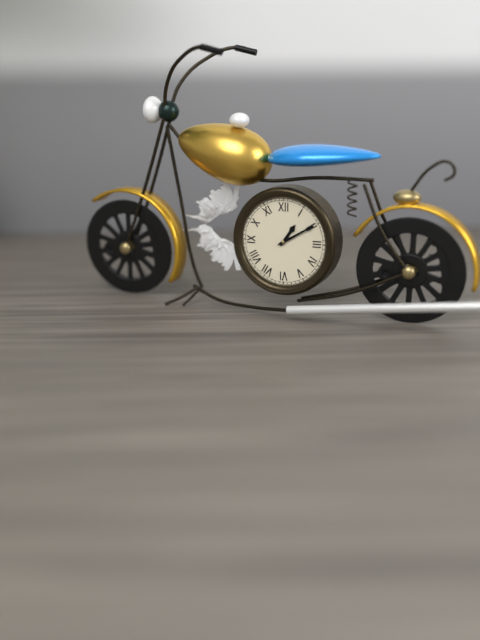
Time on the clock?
1:10
